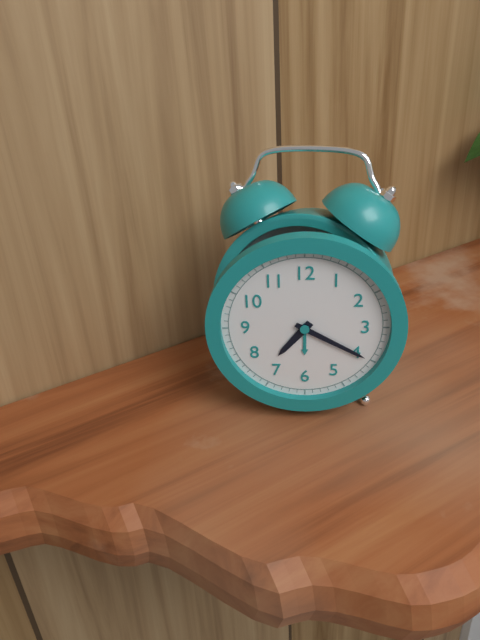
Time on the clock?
7:20
